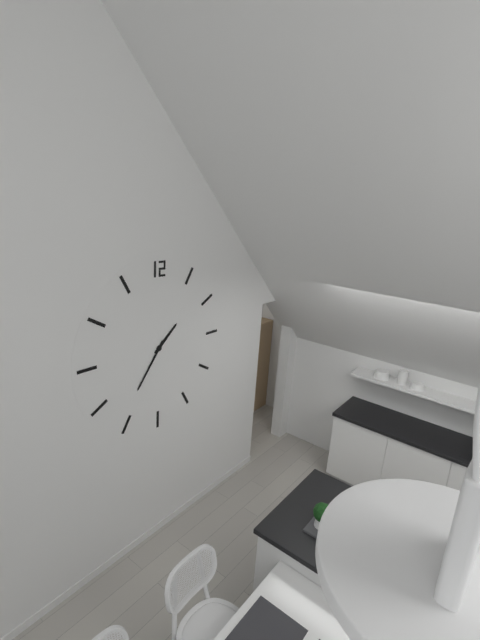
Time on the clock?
1:36
